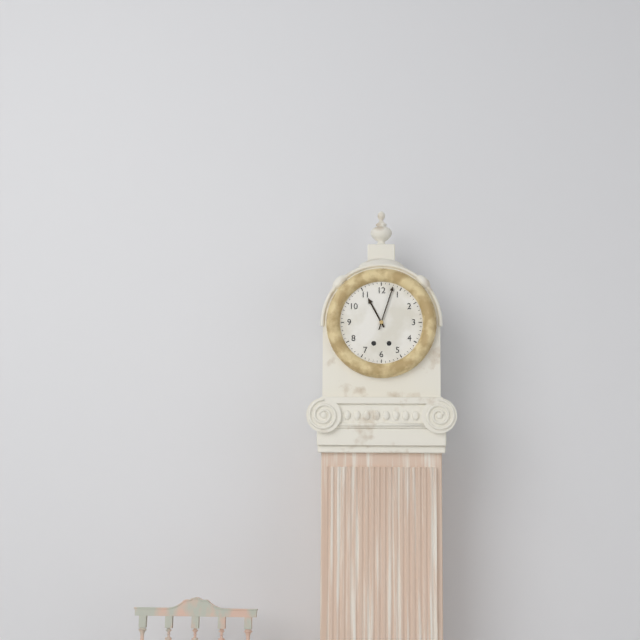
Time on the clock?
11:03
